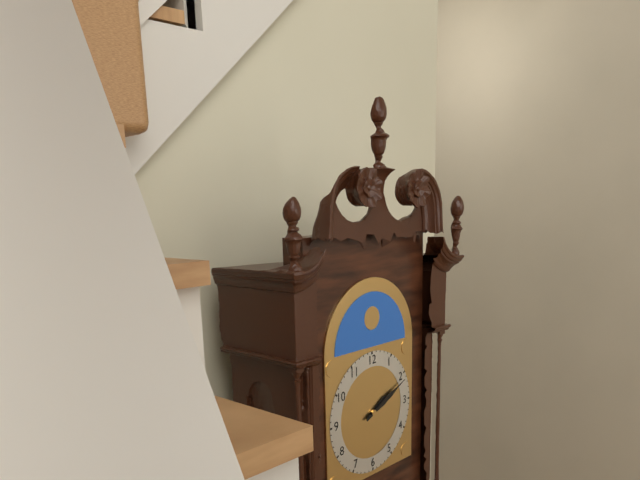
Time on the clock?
2:11
